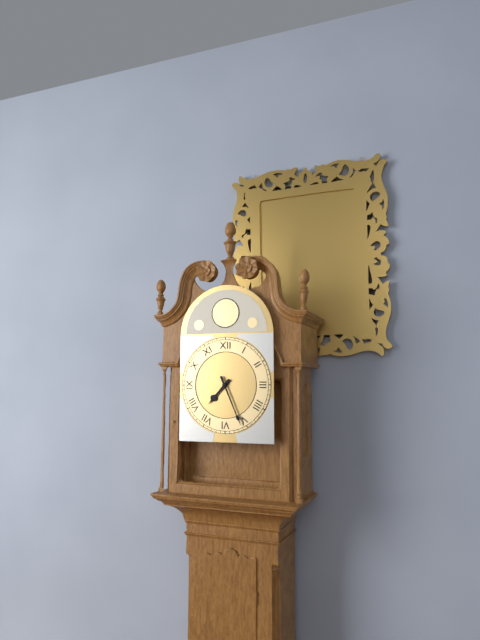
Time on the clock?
7:26
